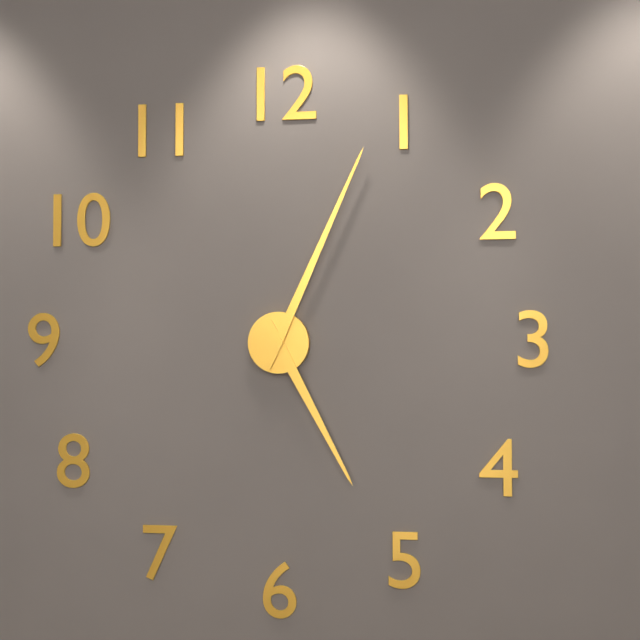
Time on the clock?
5:04
